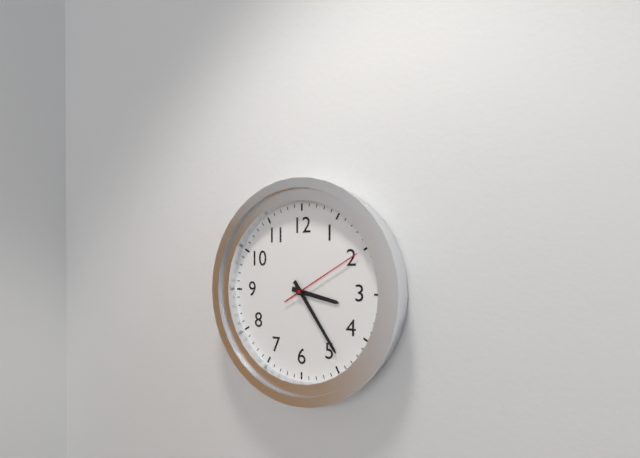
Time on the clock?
3:24:10
